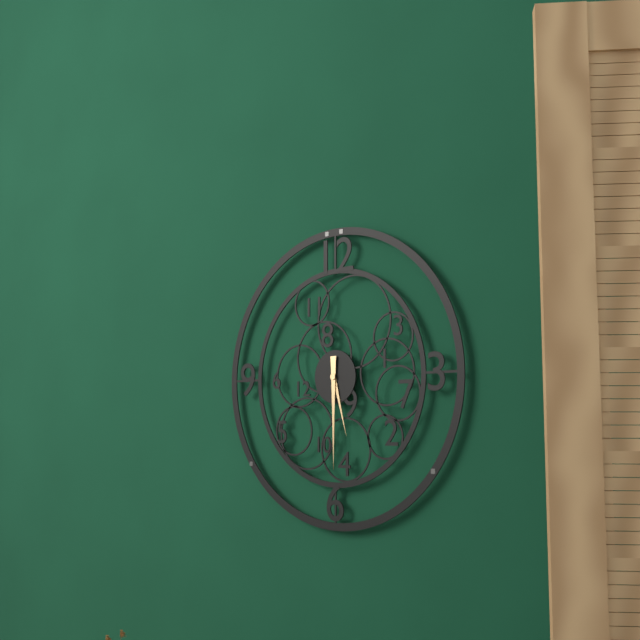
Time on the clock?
5:30
